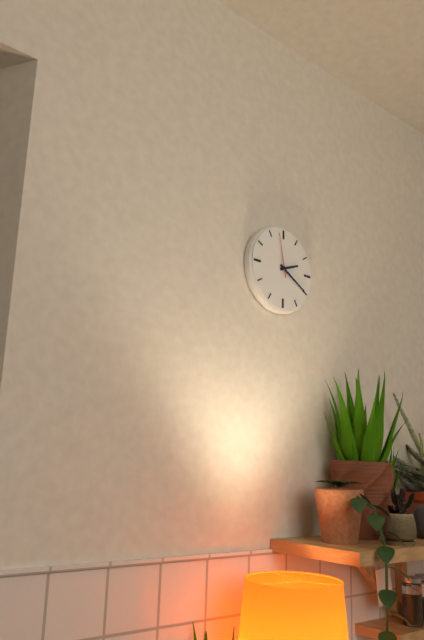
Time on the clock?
2:20
